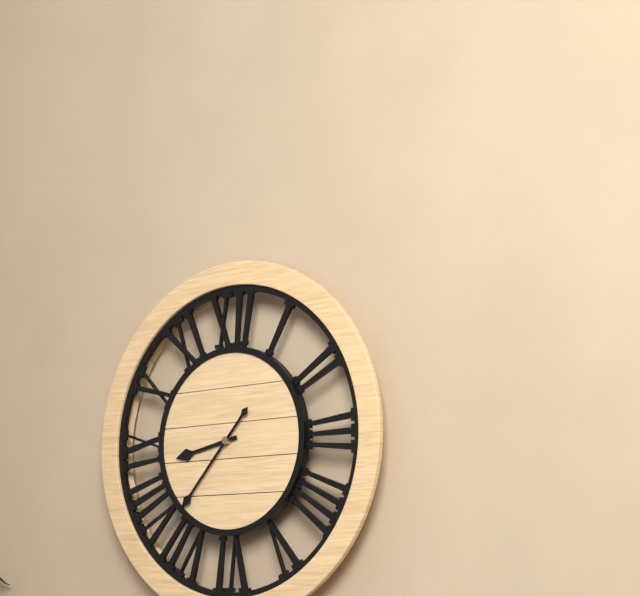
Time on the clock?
8:37
